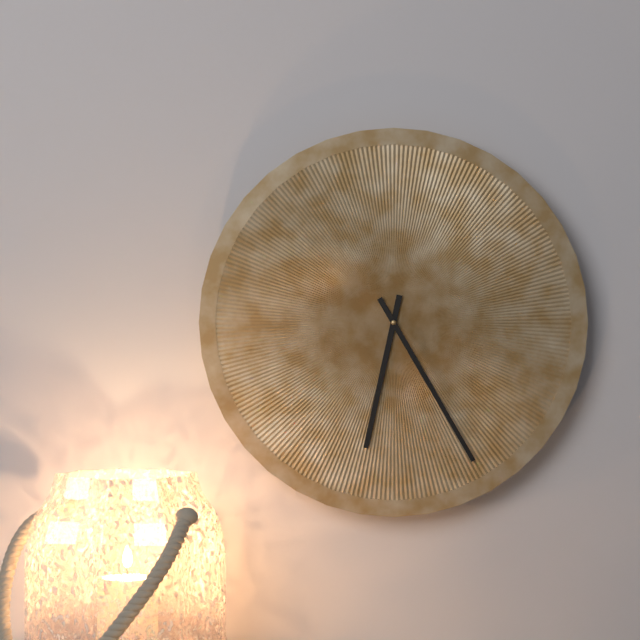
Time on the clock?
6:25
